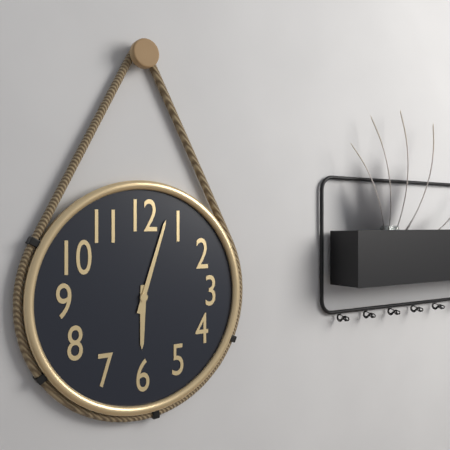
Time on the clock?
6:03
